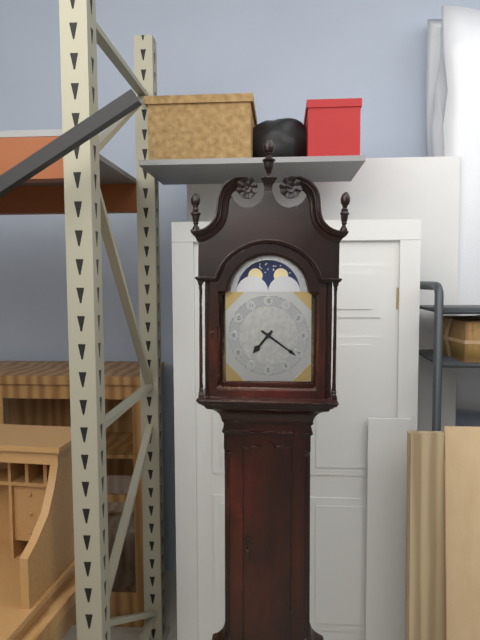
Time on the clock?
7:21
